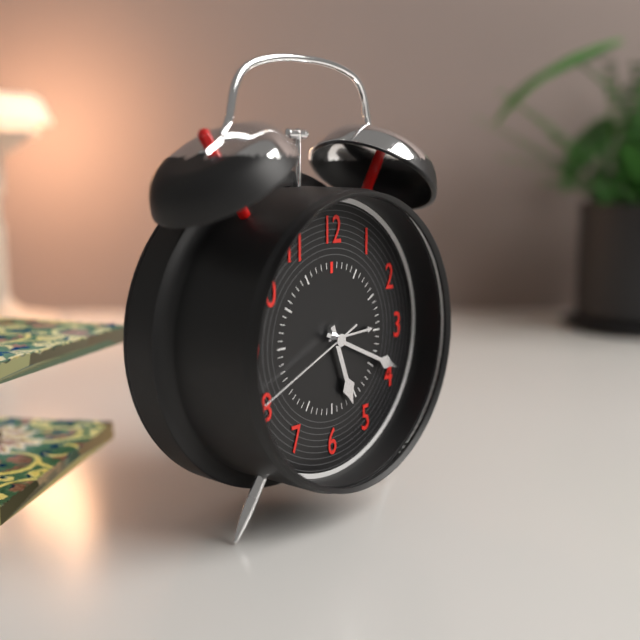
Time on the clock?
5:19:41
